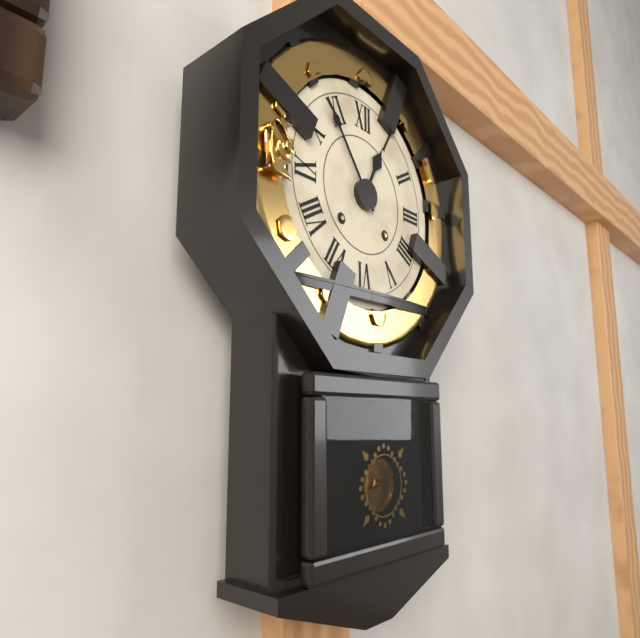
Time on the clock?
12:54
